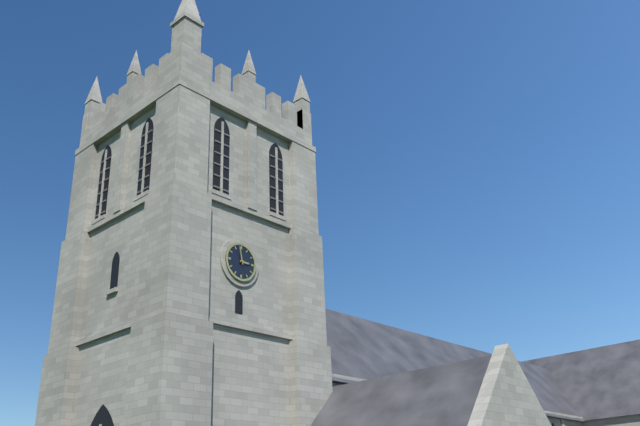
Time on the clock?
2:58
